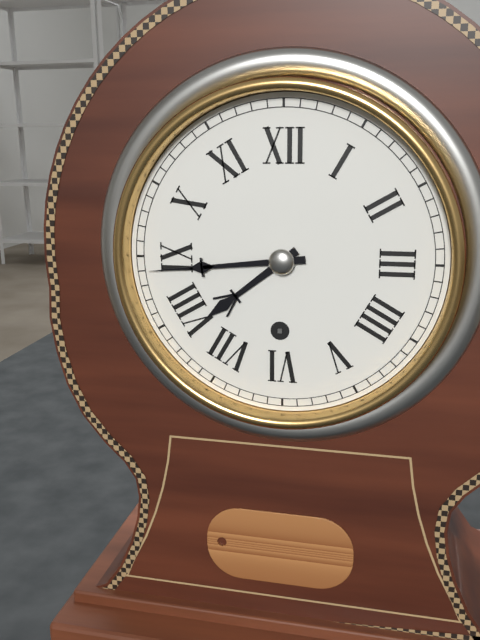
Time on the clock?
7:44
